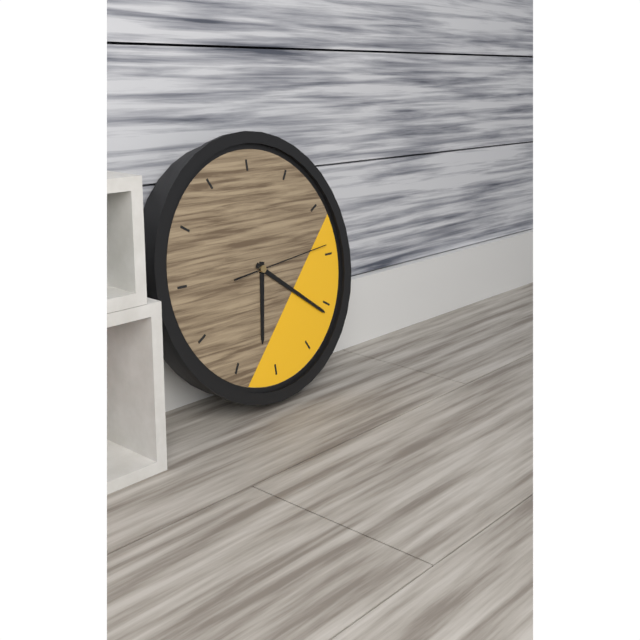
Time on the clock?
6:21:14
